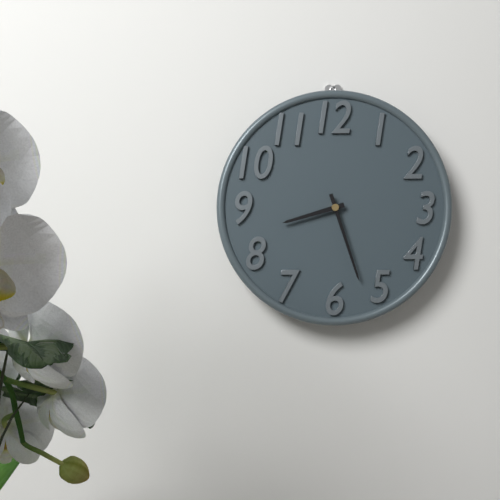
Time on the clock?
8:27
